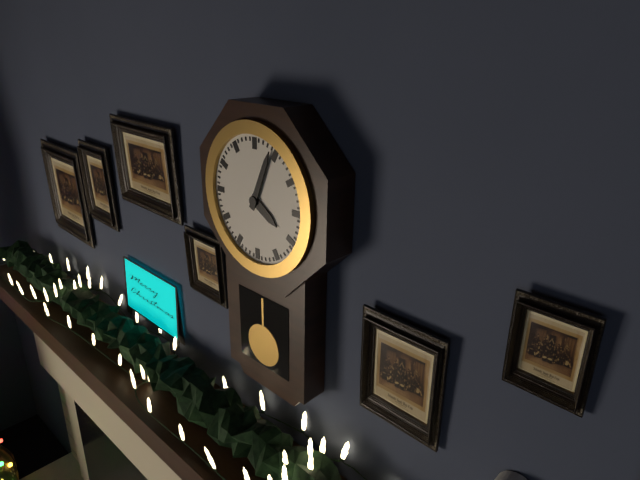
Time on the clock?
4:04
